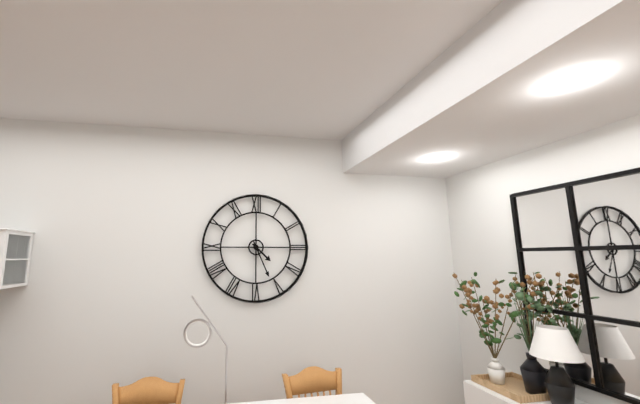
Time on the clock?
4:26
